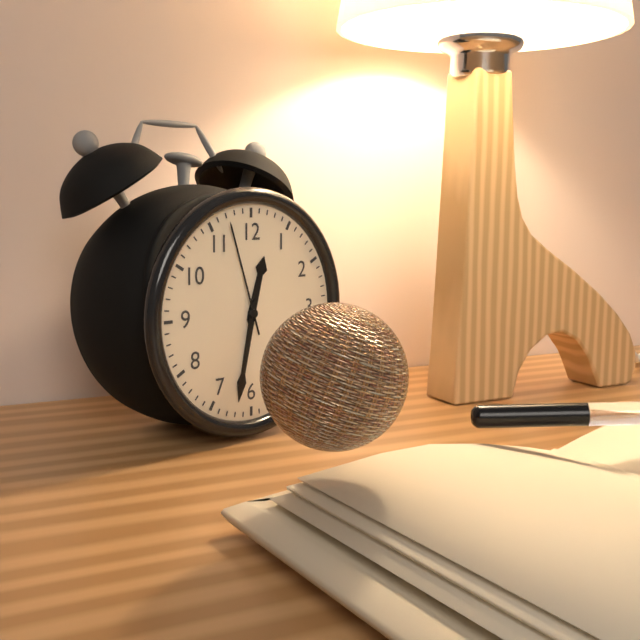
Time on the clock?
12:32:57
